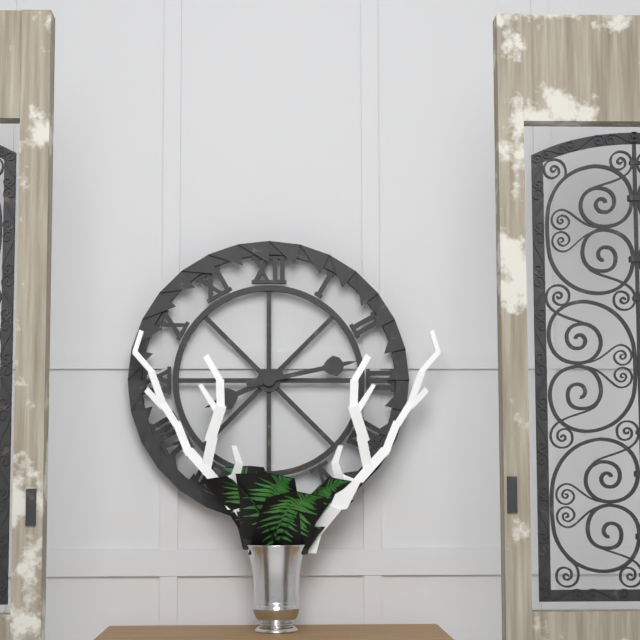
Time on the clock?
8:13
